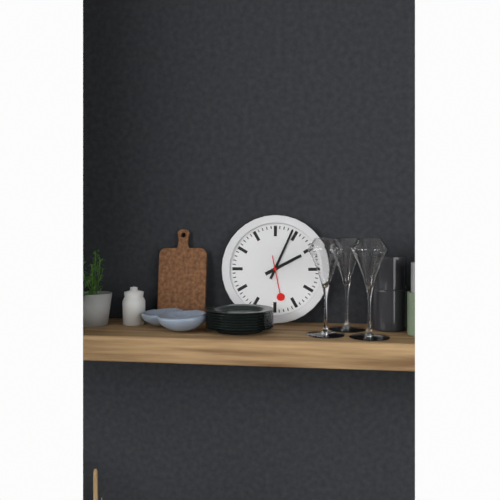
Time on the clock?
2:04
